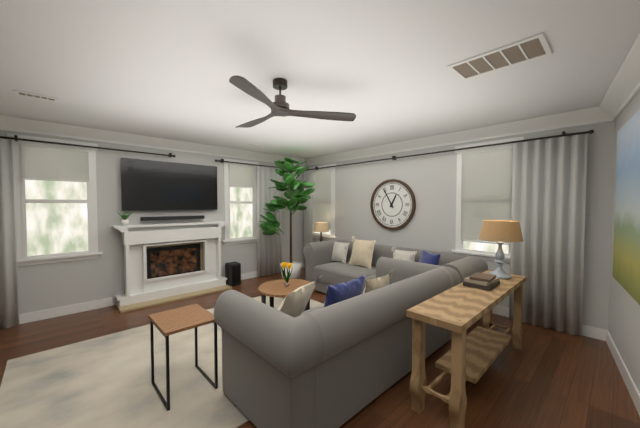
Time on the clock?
12:55
